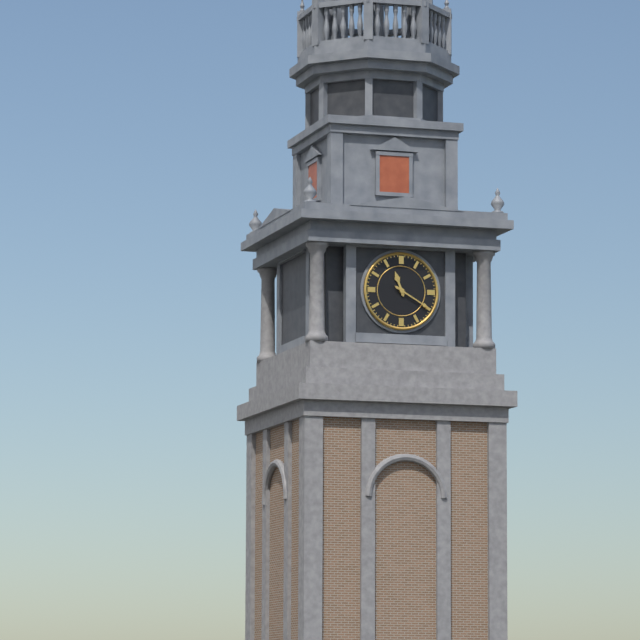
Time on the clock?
11:20
